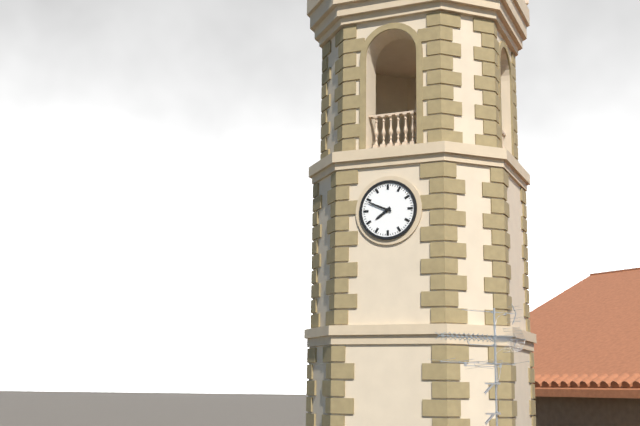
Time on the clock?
7:49
